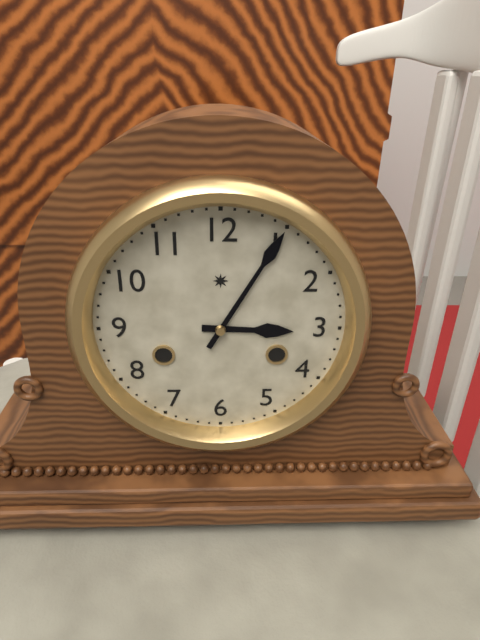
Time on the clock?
3:05
